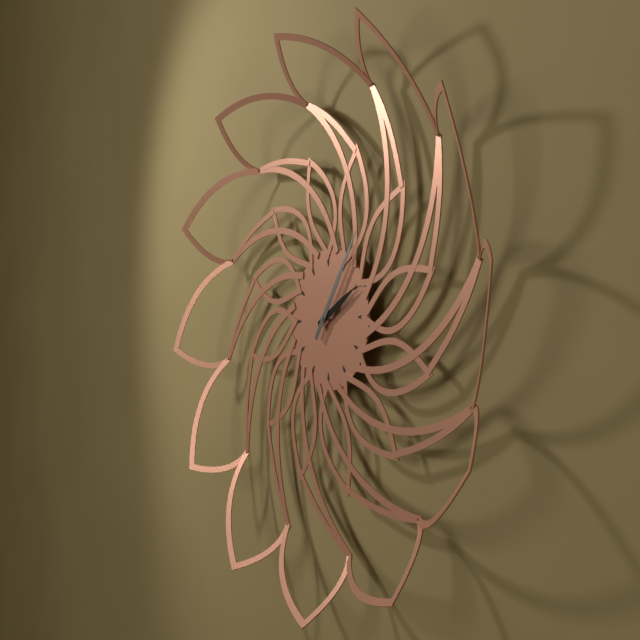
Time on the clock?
2:06
